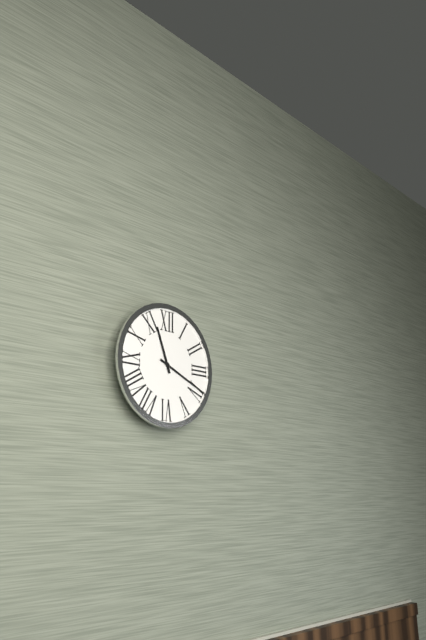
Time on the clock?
11:19
